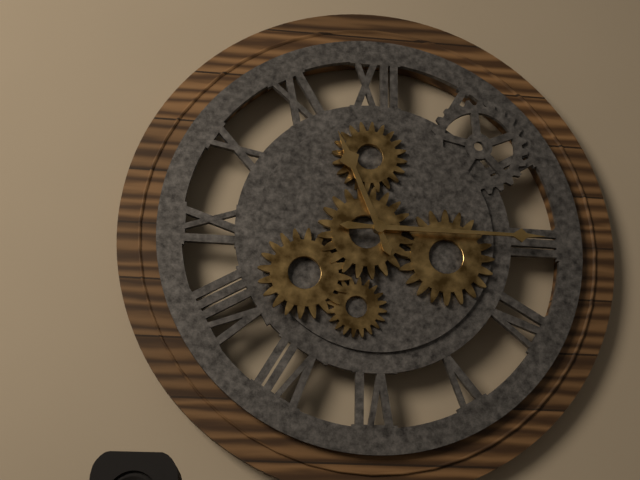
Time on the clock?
11:15
